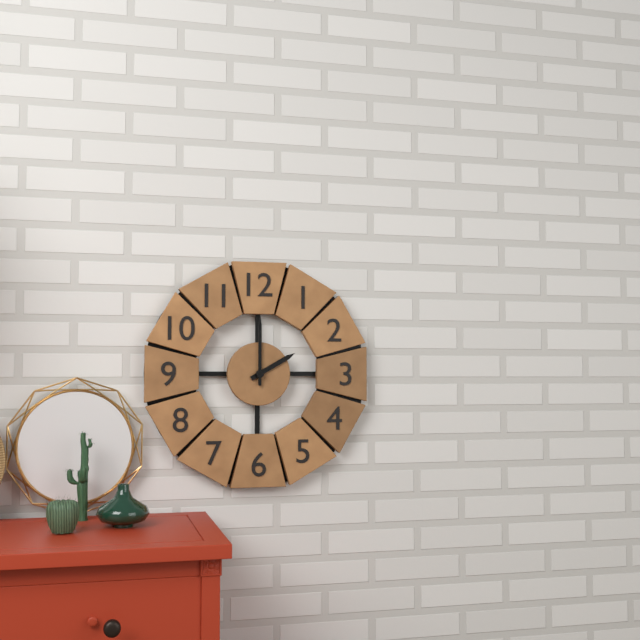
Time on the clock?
2:00
